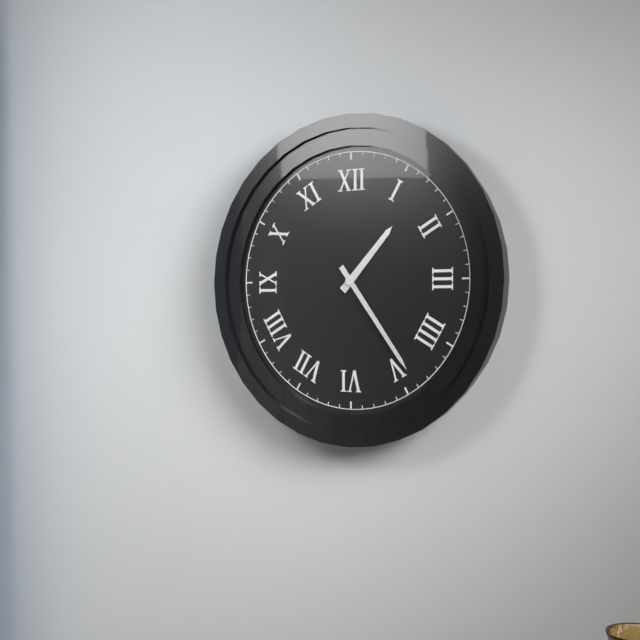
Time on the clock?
1:24
